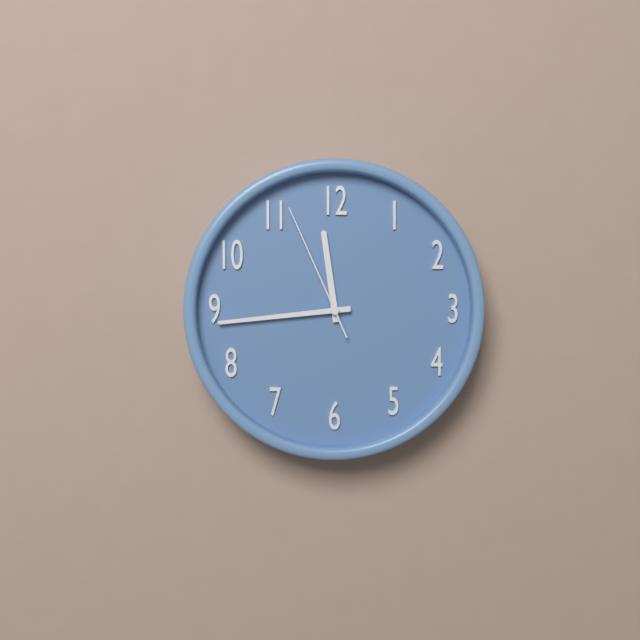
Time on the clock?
11:44:56
